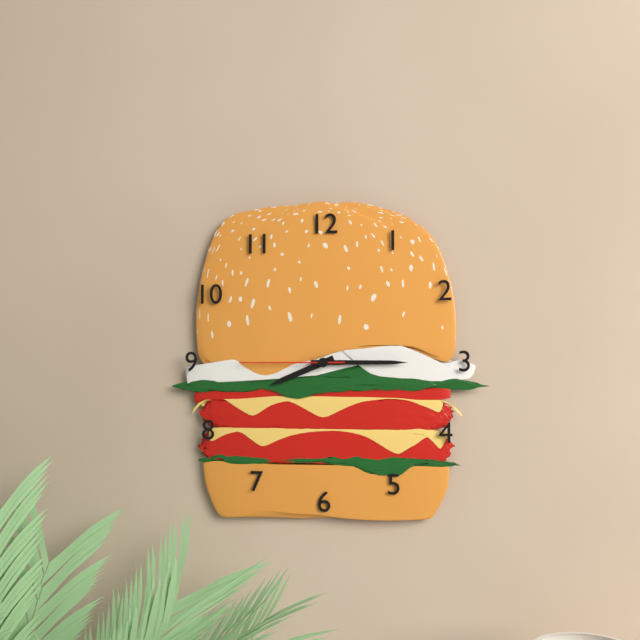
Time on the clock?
8:15:45
